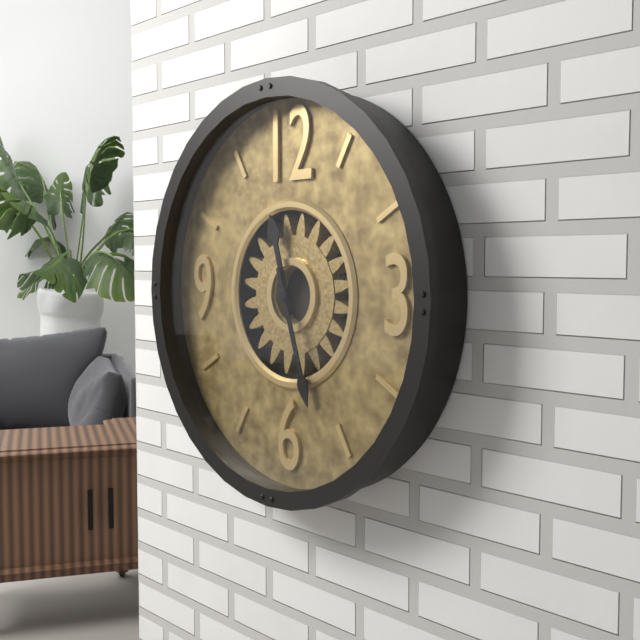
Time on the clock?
11:27
